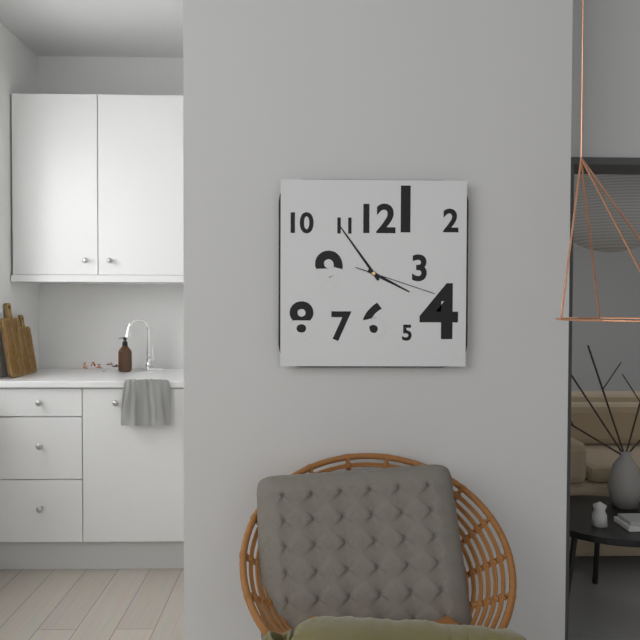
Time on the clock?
3:54:18
